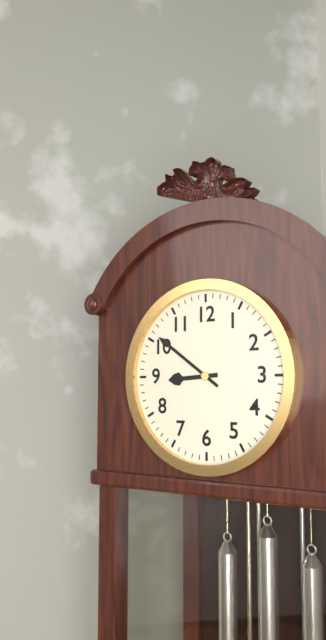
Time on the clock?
8:51
